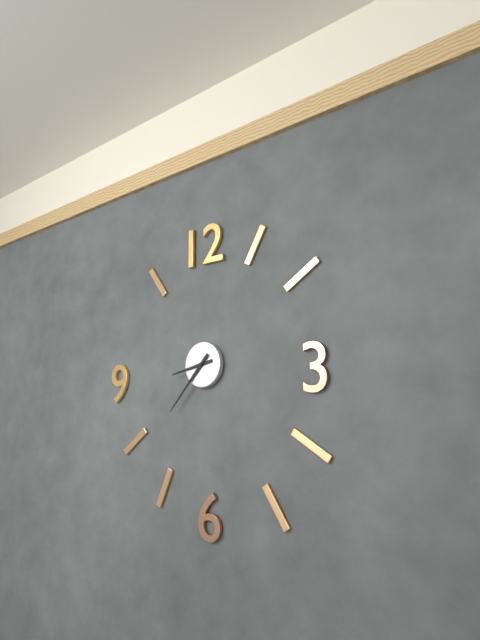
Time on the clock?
8:37
